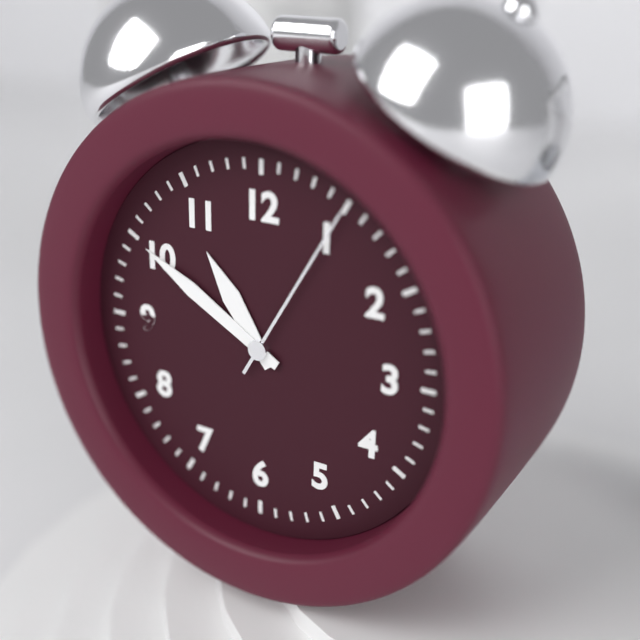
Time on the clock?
10:50:05
